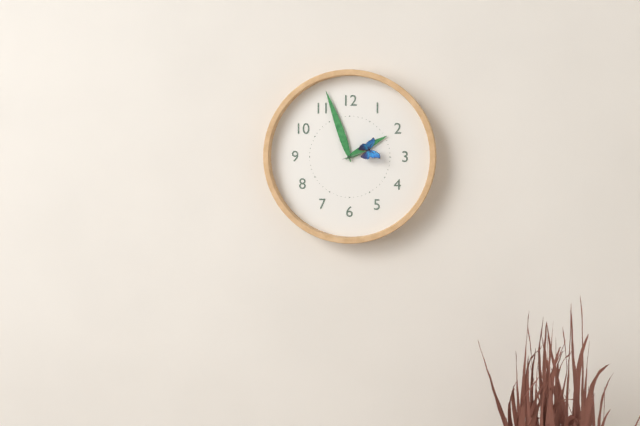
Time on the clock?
1:57
